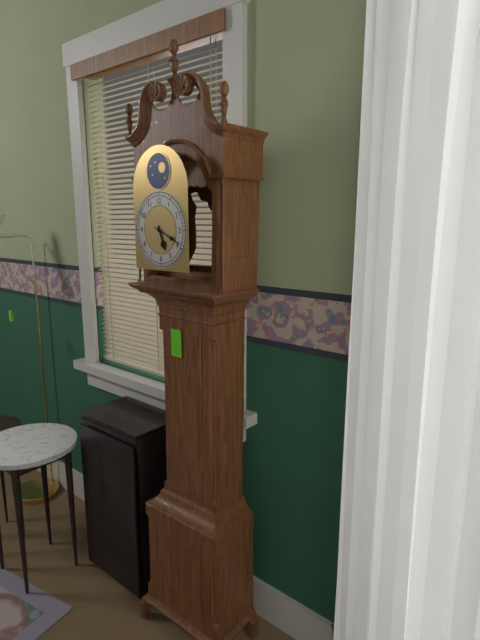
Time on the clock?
5:19
